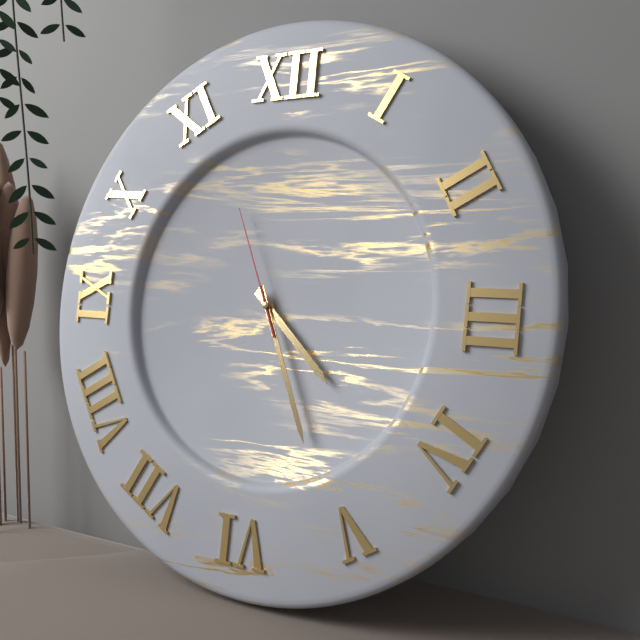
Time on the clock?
4:26:56
